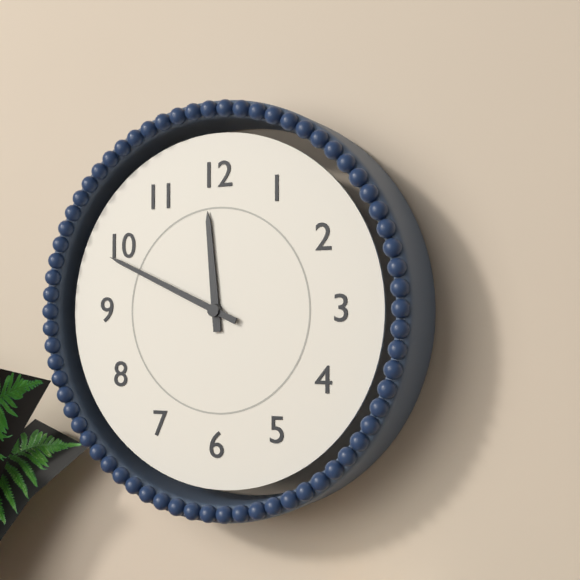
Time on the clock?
11:49
